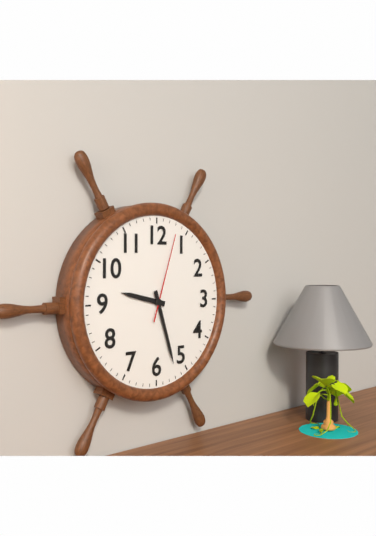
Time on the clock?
9:27:03
